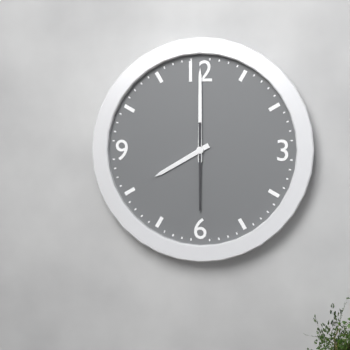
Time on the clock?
8:00:30
